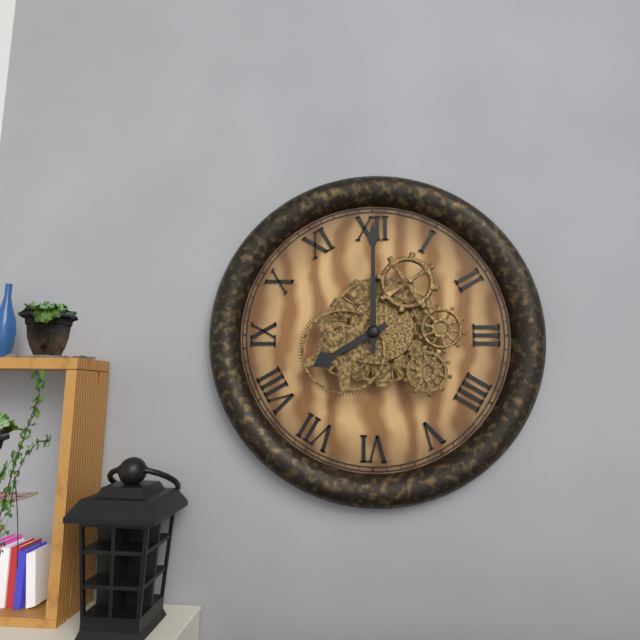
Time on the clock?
8:00
